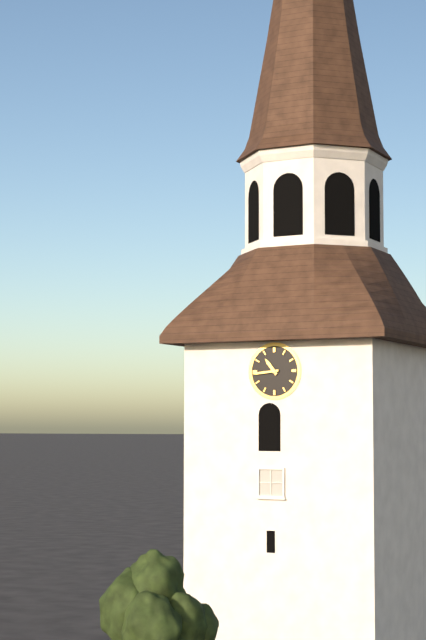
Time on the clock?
10:44
